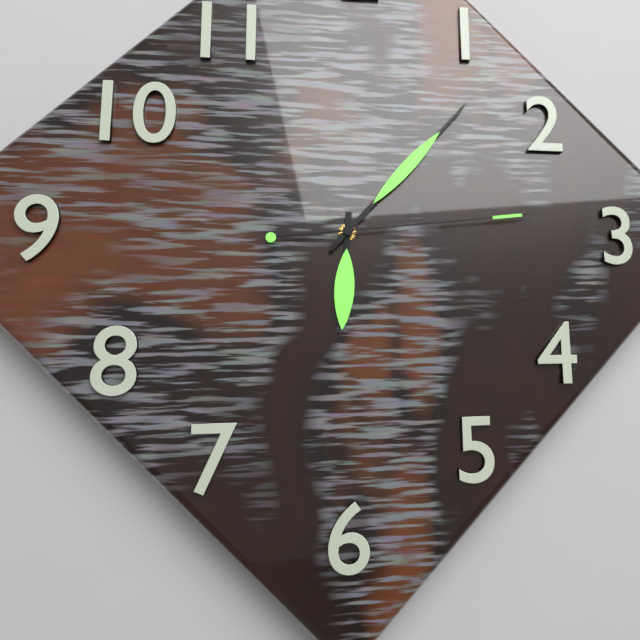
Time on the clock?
6:07:14
